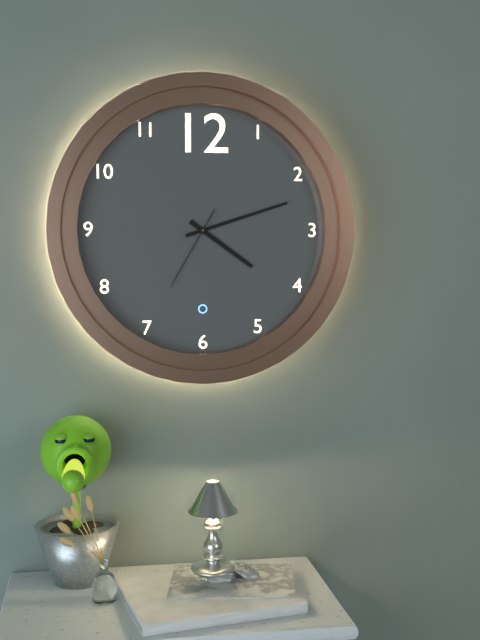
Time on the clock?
4:12:35
